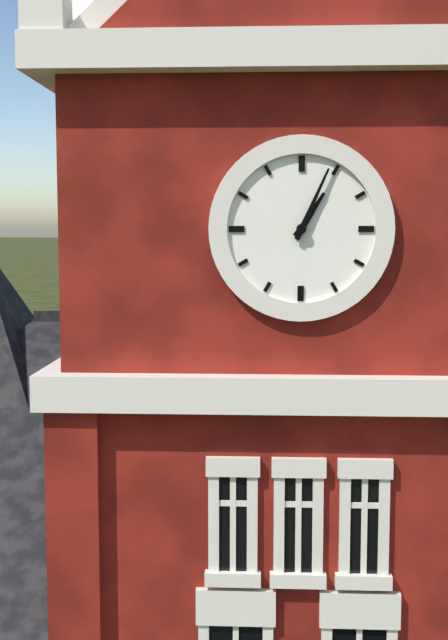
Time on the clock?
1:04
